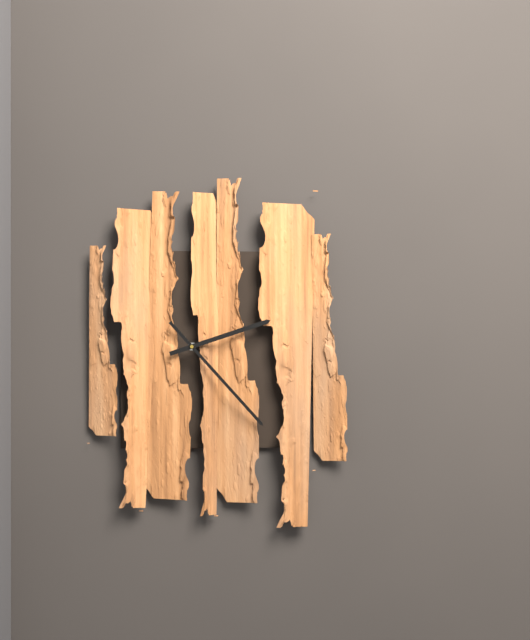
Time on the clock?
2:23
